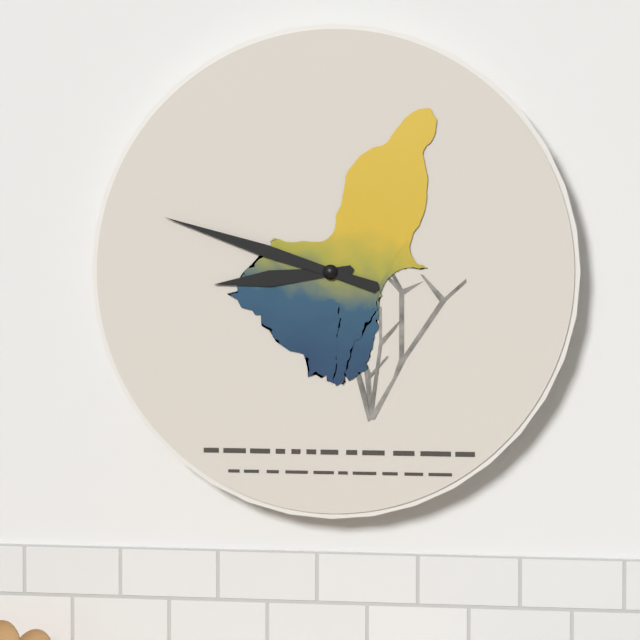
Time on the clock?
8:48
